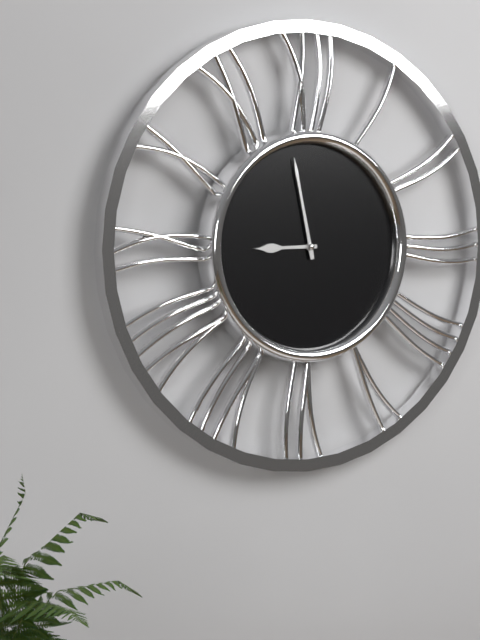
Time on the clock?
8:58
